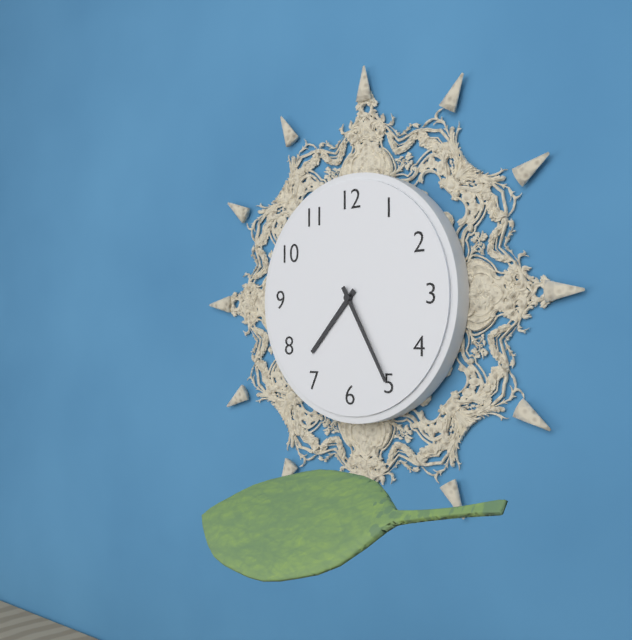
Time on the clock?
7:25
